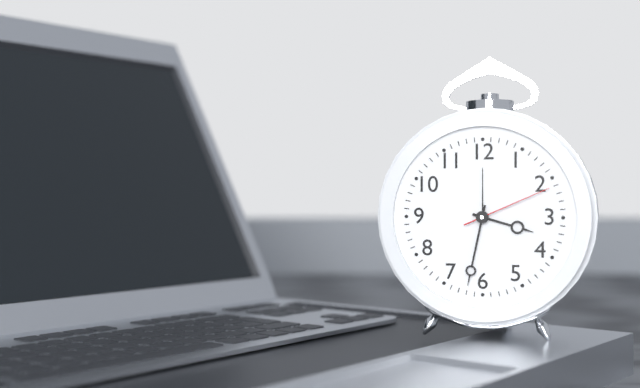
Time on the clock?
3:32:11
